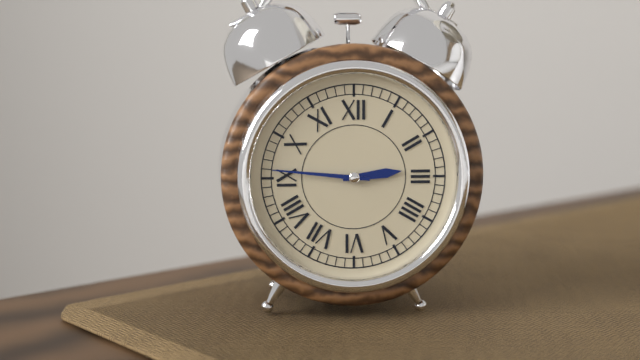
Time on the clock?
2:46
